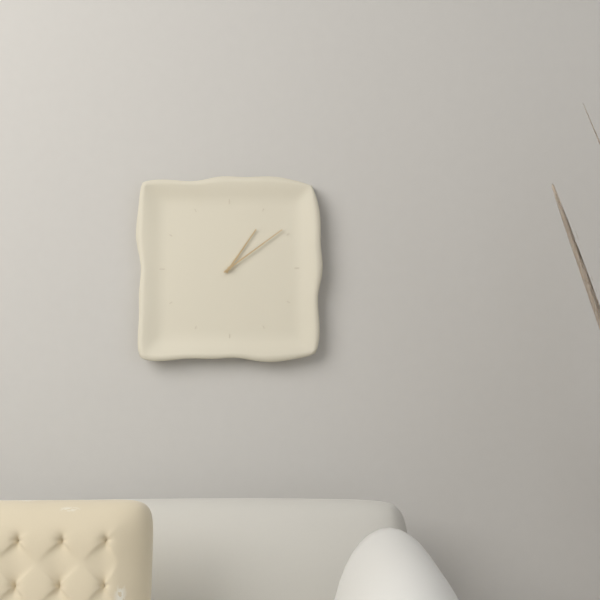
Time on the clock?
1:09
